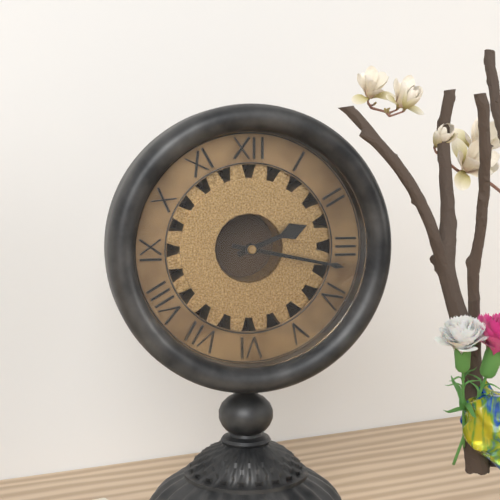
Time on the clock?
2:17
